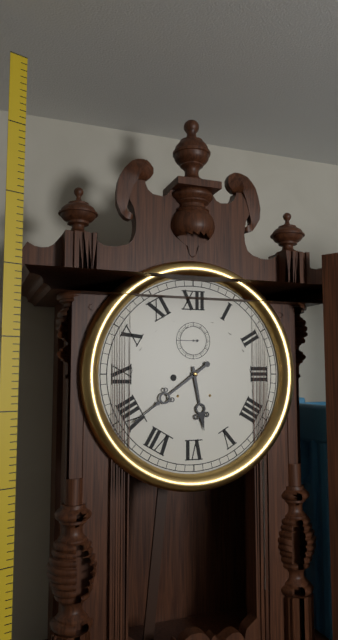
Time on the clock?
5:39
